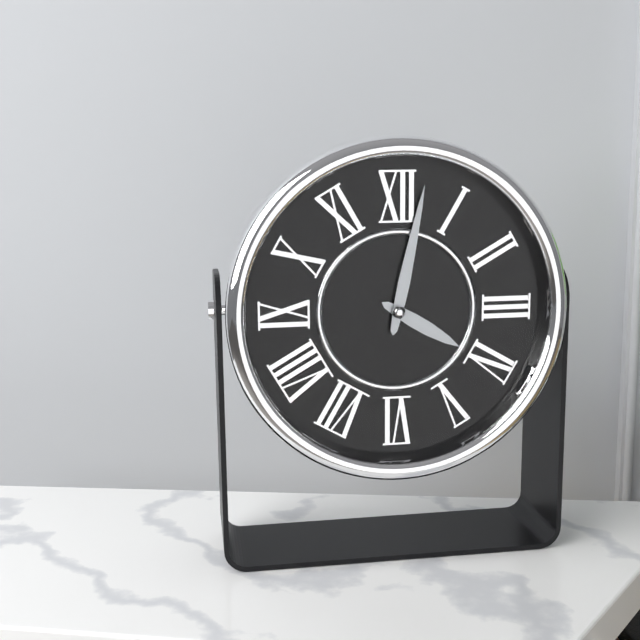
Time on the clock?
4:02
